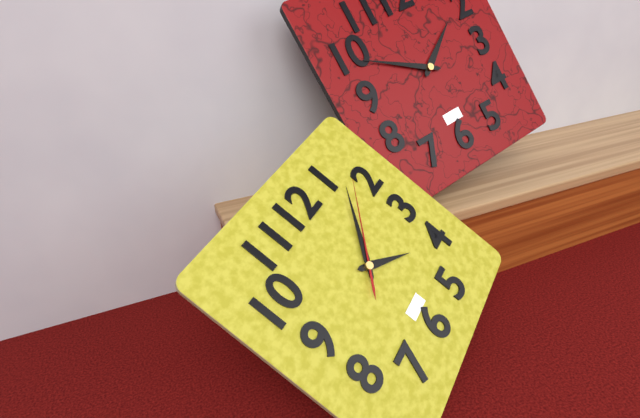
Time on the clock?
4:07:08
